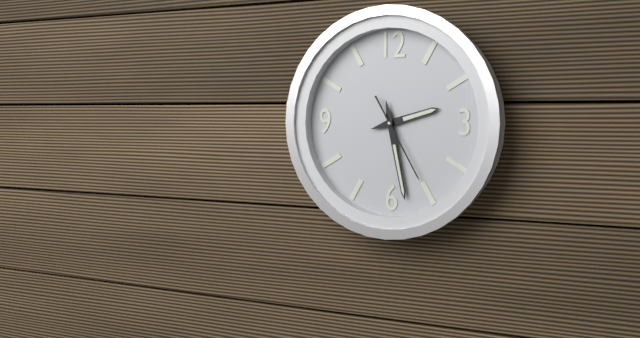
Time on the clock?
2:28:25
